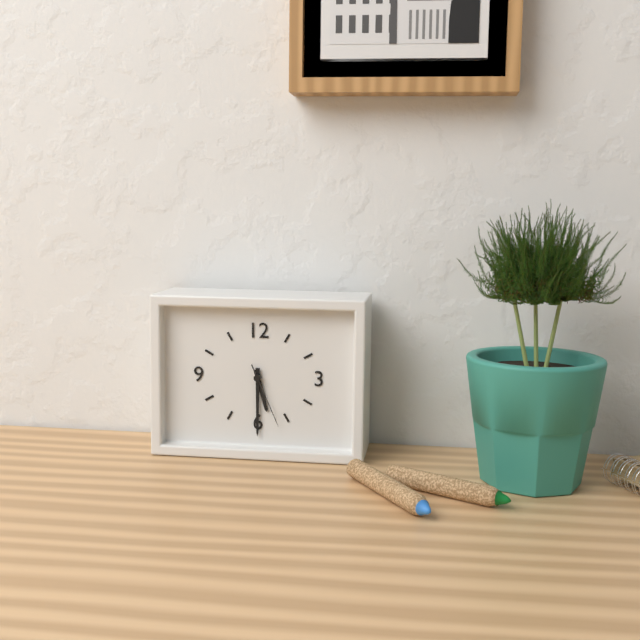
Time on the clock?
5:30:26
